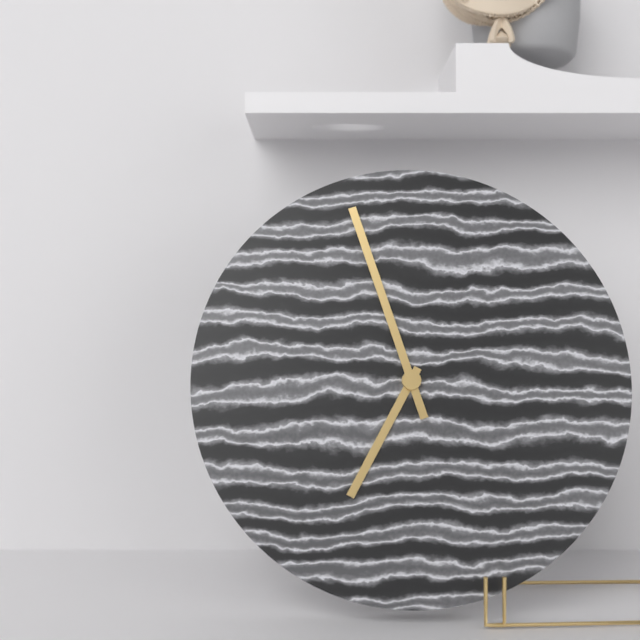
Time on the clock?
6:57
